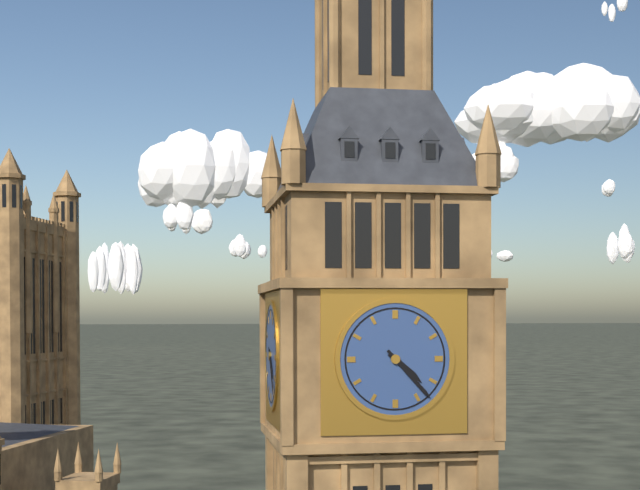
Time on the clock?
4:23
